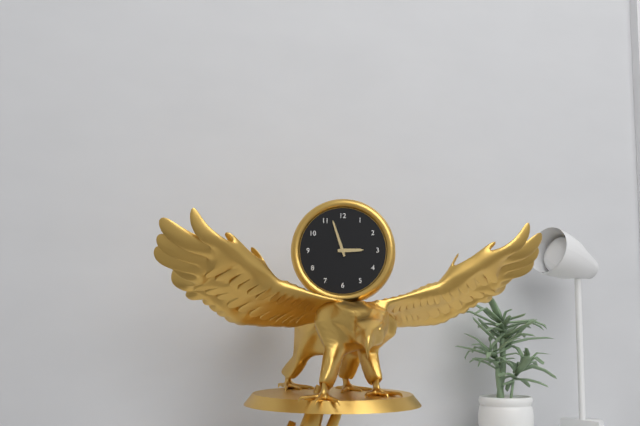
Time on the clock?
2:57
